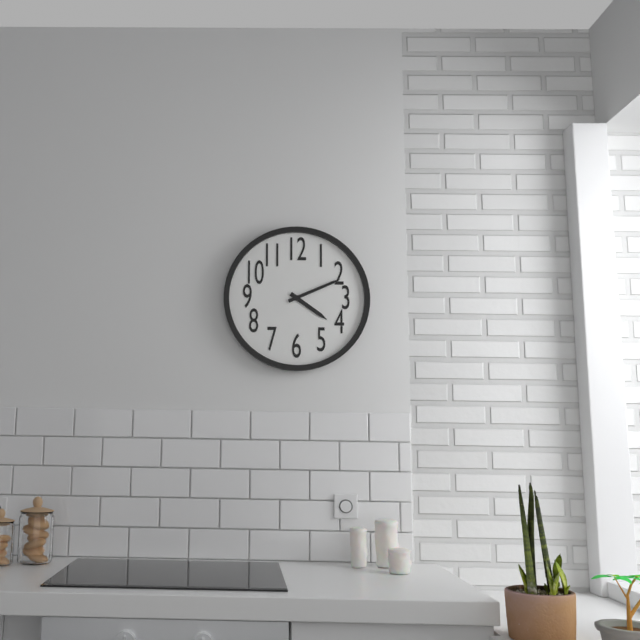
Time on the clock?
4:11
